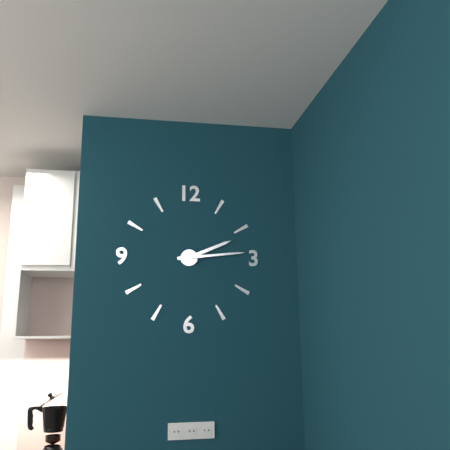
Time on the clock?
2:14
